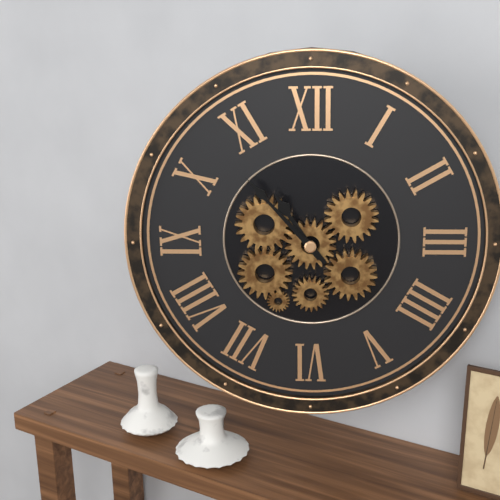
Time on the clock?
10:53
